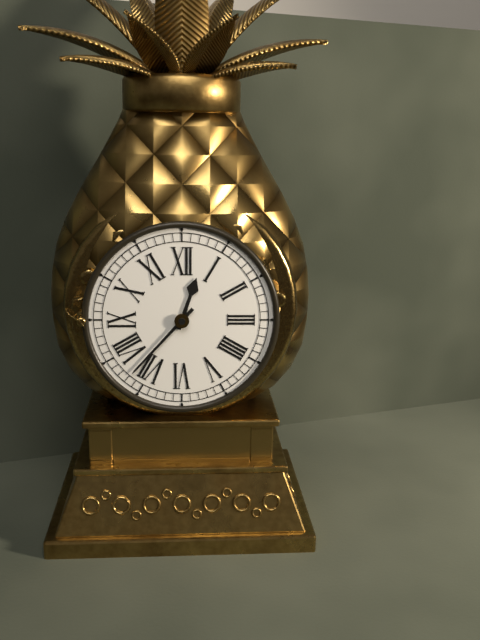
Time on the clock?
12:37
